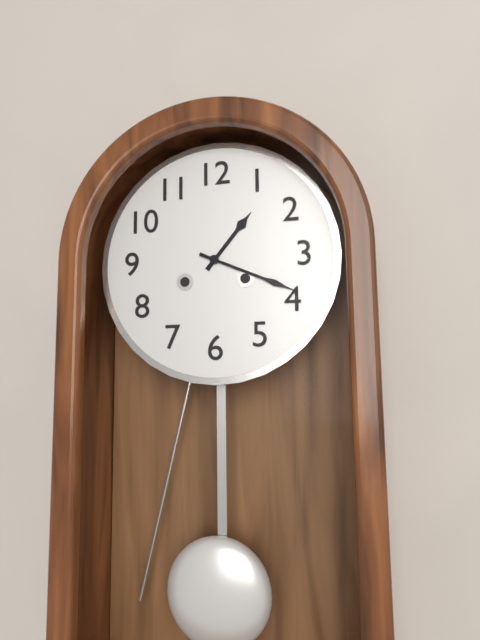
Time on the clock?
1:19
